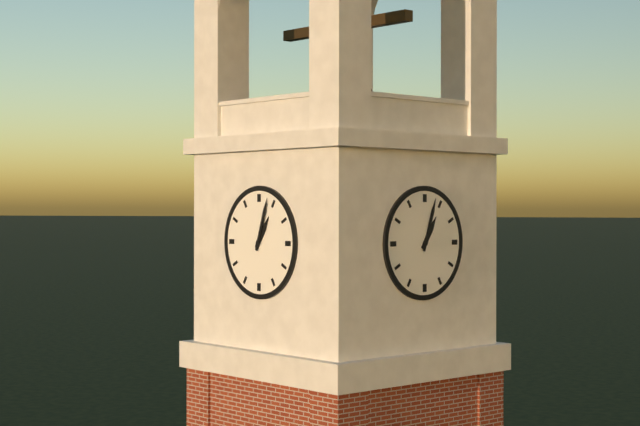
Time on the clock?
1:03
